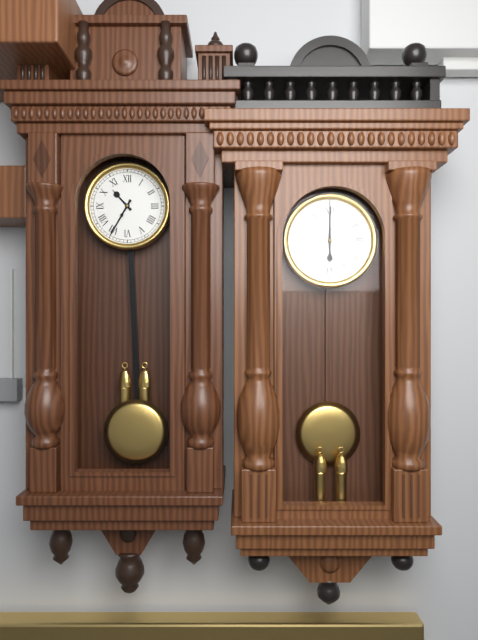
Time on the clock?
10:35
